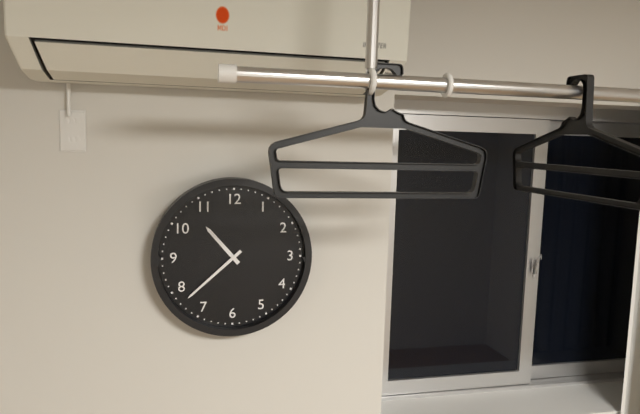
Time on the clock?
10:38
